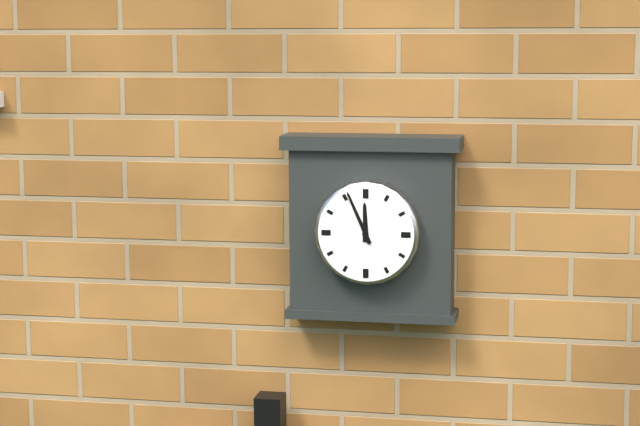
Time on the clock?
11:56
